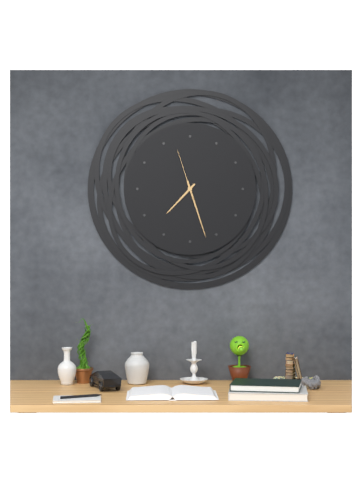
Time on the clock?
7:27:57
